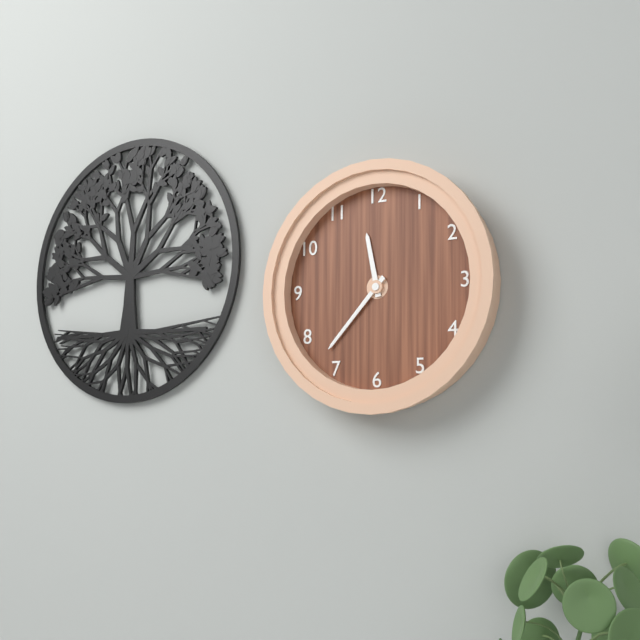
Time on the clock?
11:37
